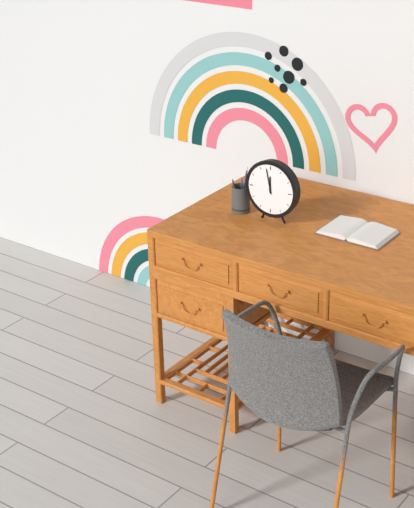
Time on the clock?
11:58
